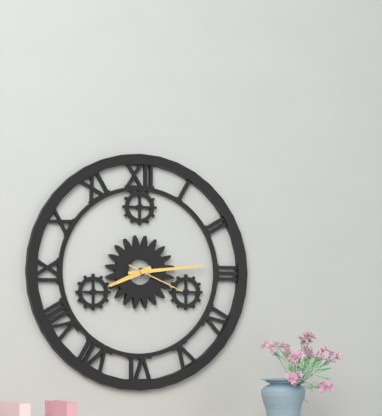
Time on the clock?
8:14:19
